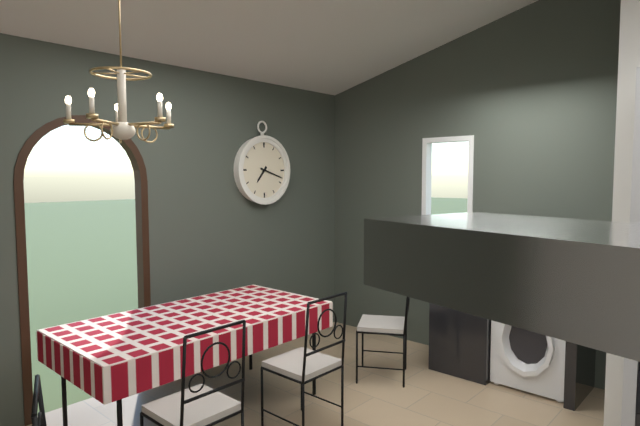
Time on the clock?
7:18
